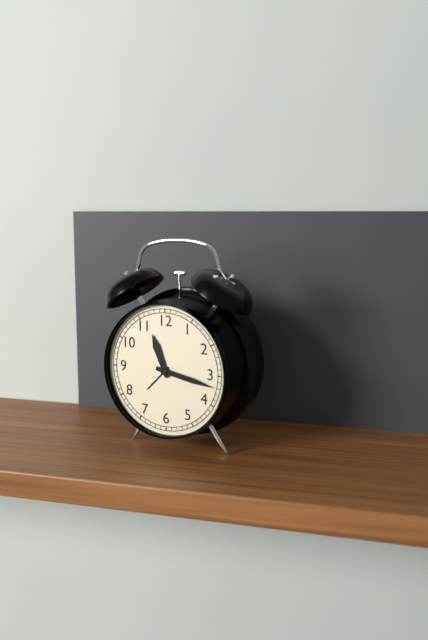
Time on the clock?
11:17
